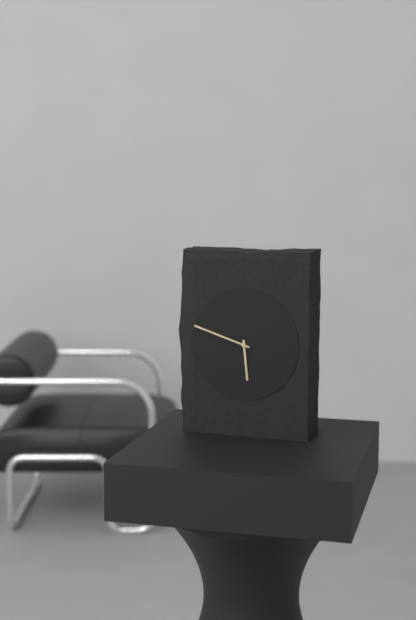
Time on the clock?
5:48
